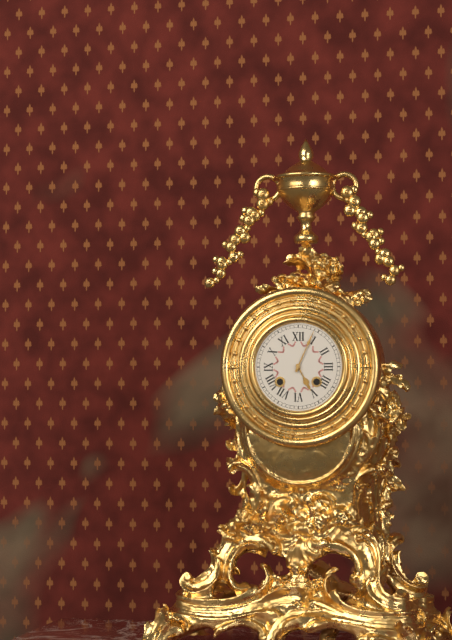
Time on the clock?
5:04
